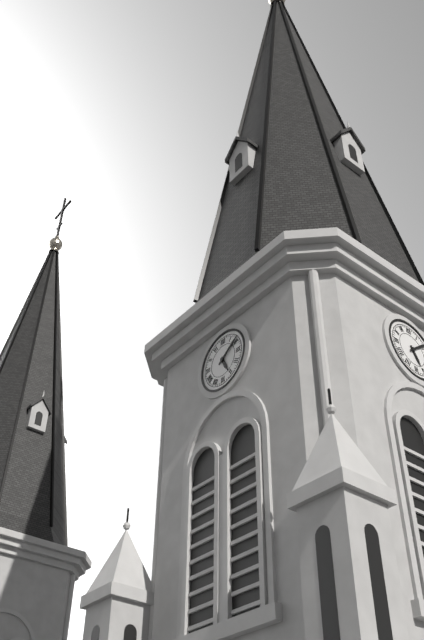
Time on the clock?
5:09
